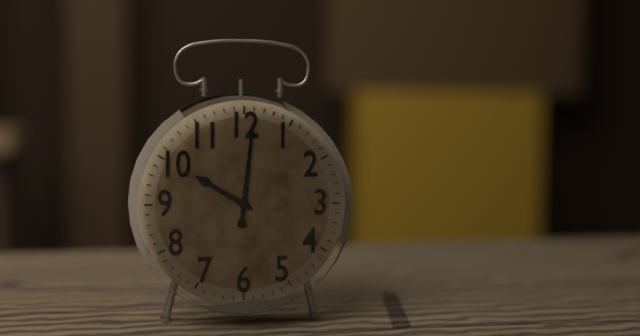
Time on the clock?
10:01
